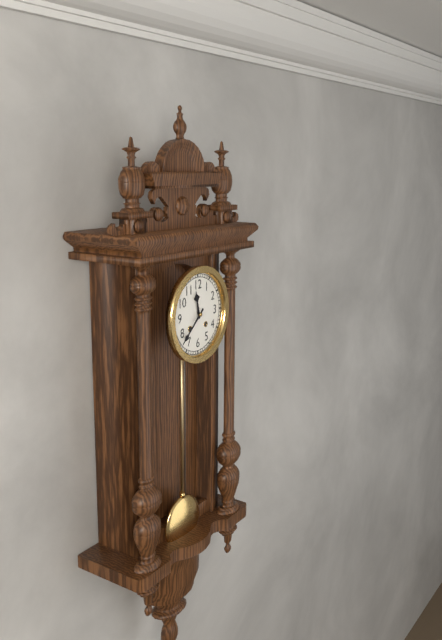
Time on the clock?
11:38
